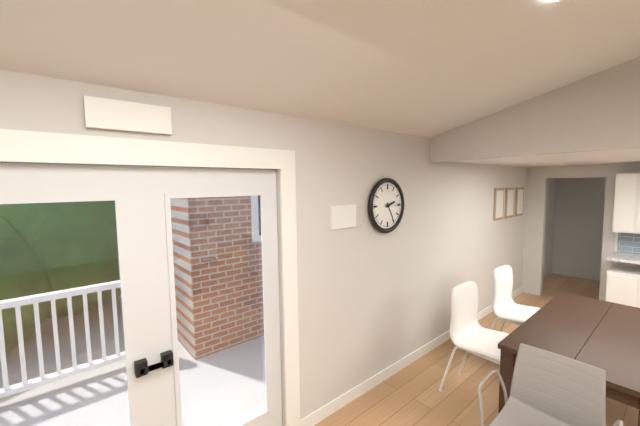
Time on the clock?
2:25
